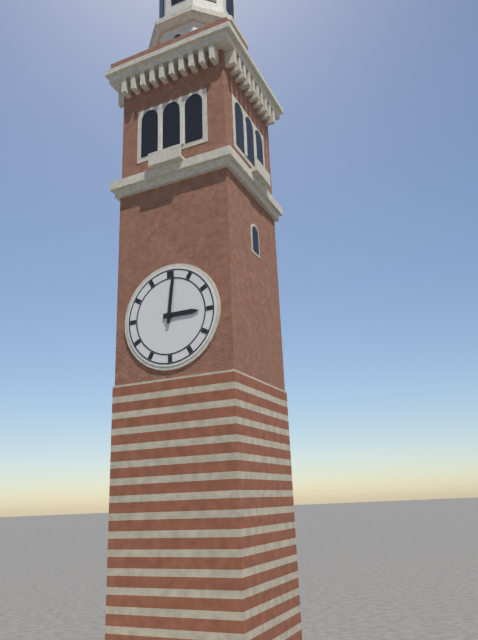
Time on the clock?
3:01
